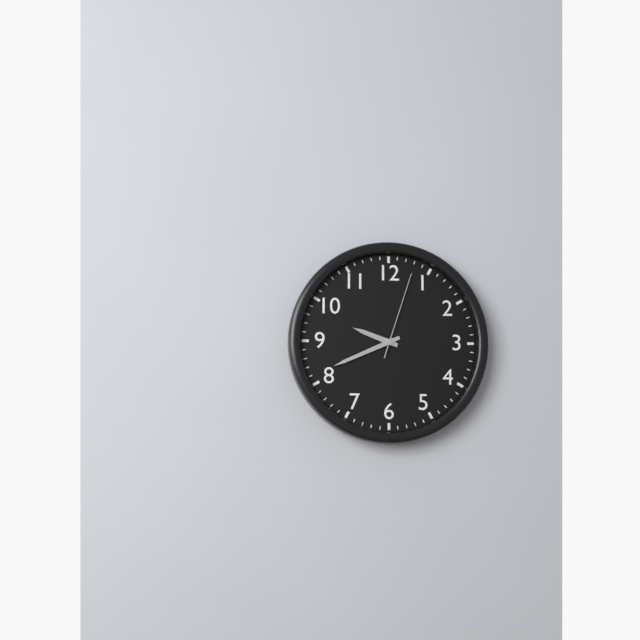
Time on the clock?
9:41:03
